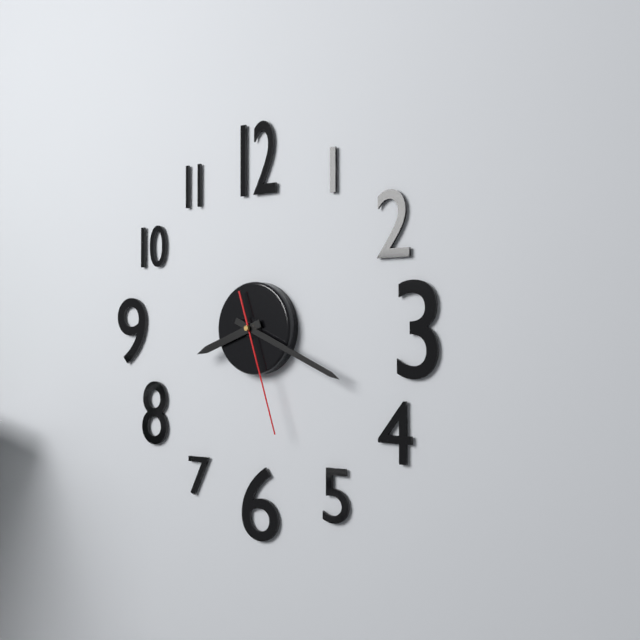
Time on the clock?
8:19:27
